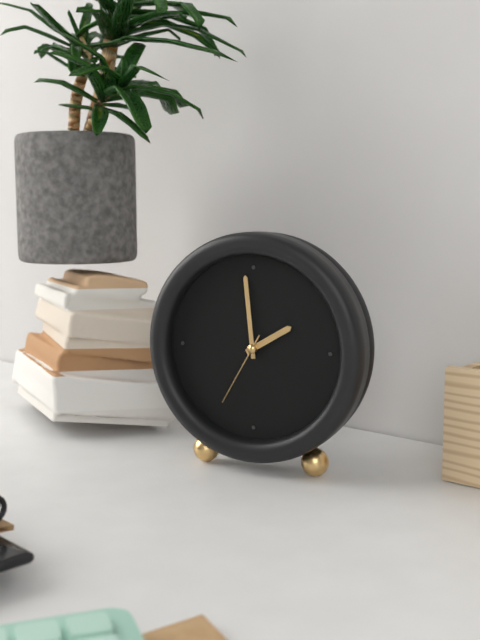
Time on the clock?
1:59:35
